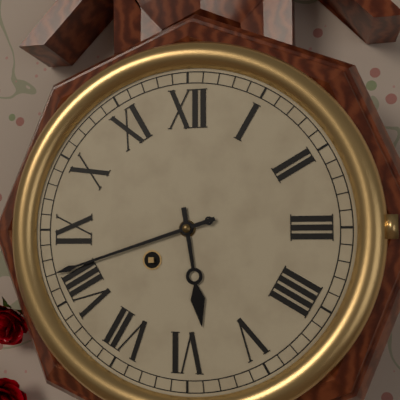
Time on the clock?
5:42
